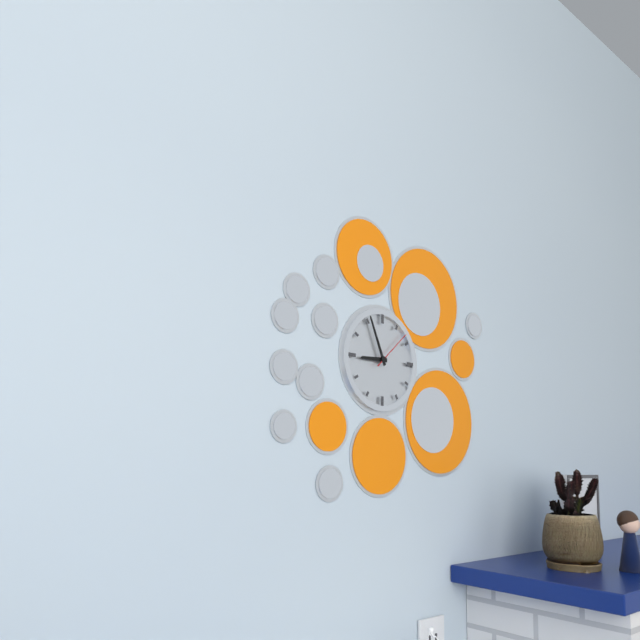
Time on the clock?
8:56
